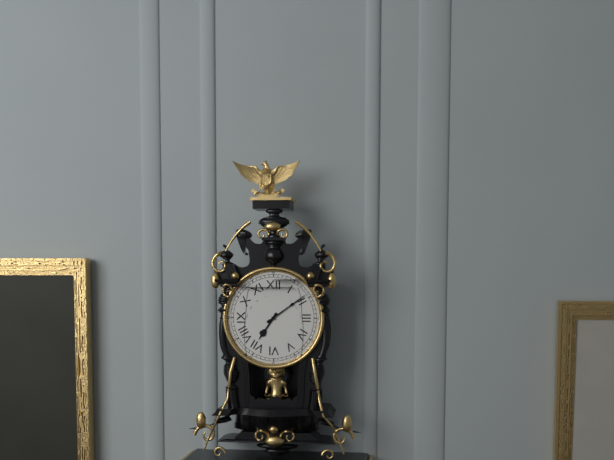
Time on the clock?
7:09
